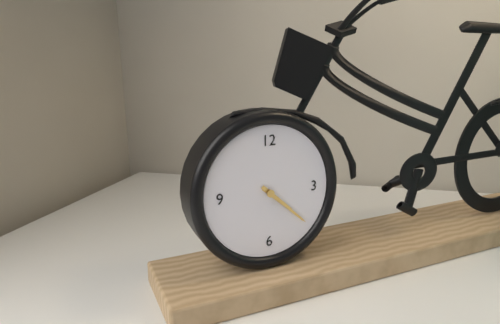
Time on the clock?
4:22
